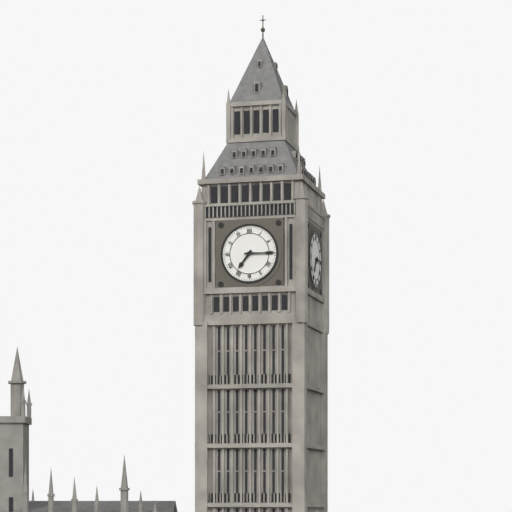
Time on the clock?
7:15
